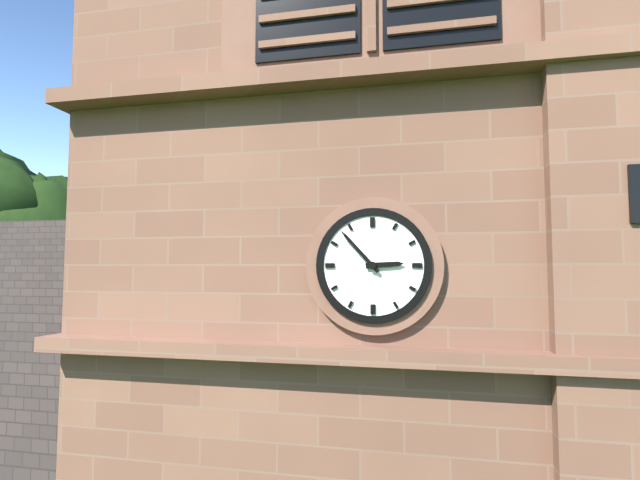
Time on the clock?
2:53
